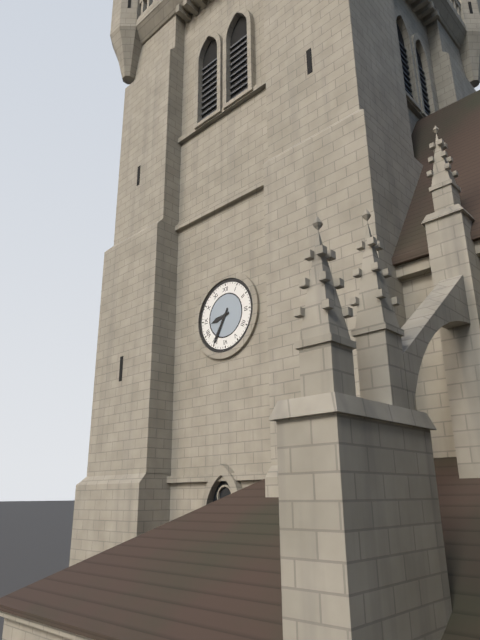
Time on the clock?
8:35
